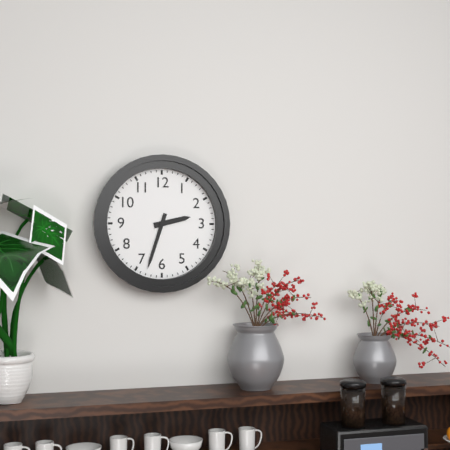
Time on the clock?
2:33
